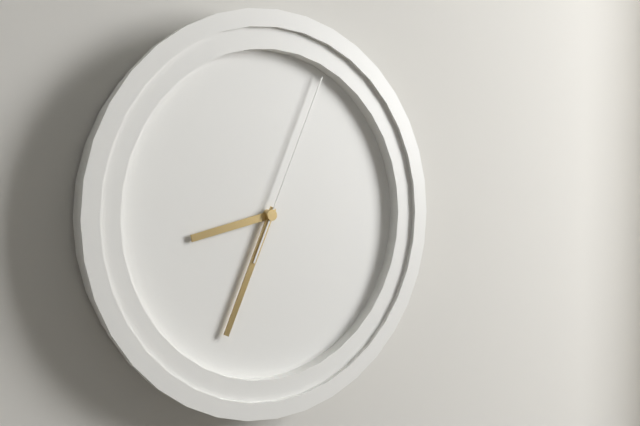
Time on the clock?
8:34:04
